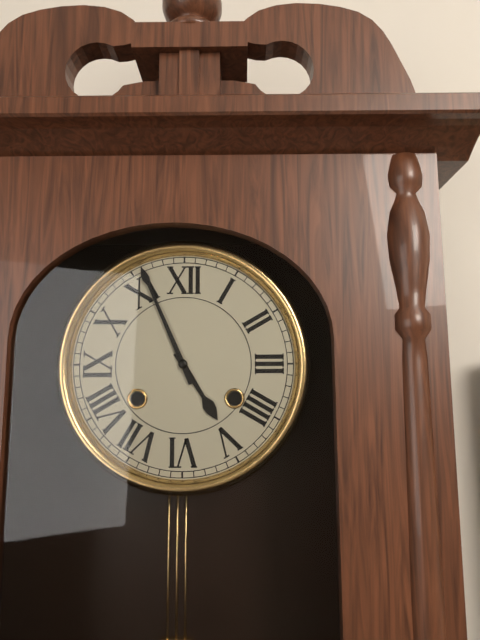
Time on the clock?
4:56
